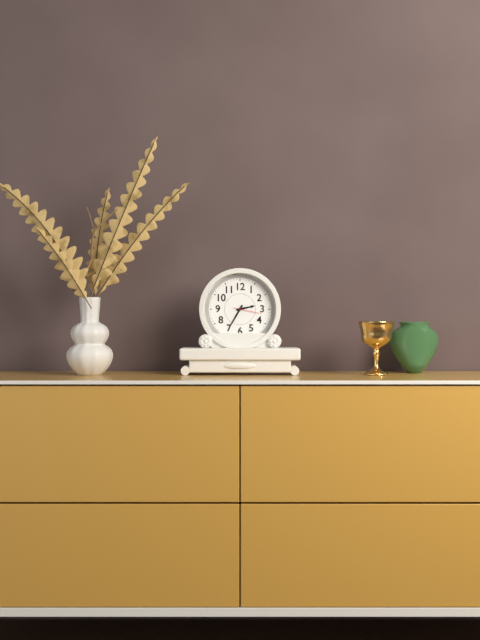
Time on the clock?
2:35
